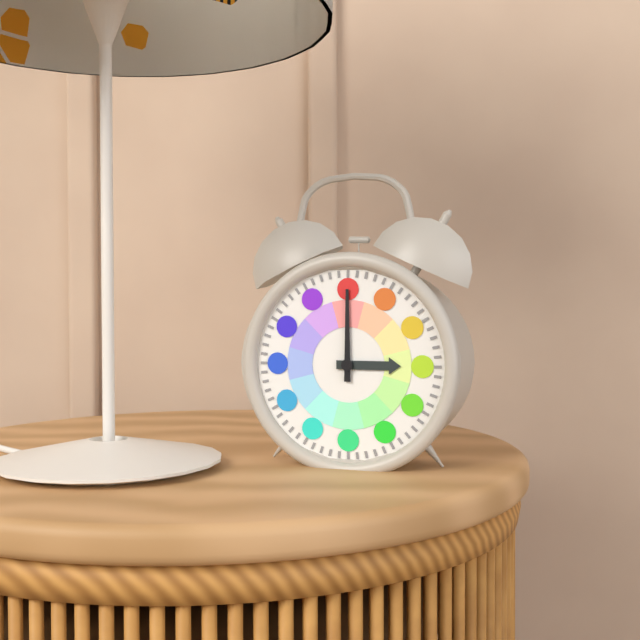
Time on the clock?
3:00
